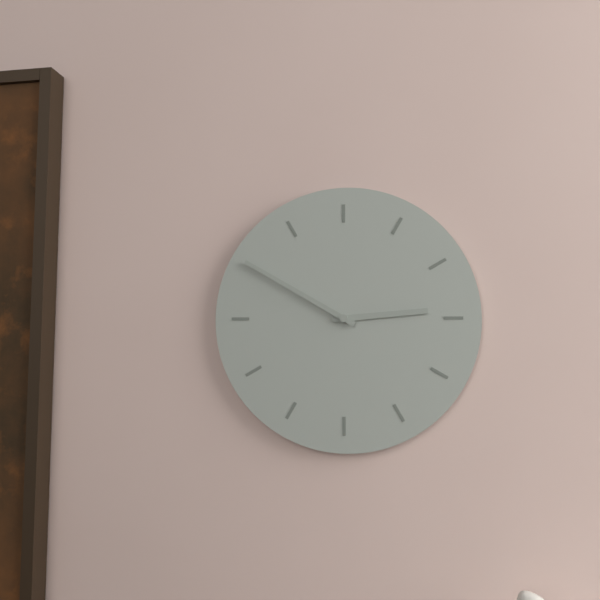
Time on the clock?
2:50
